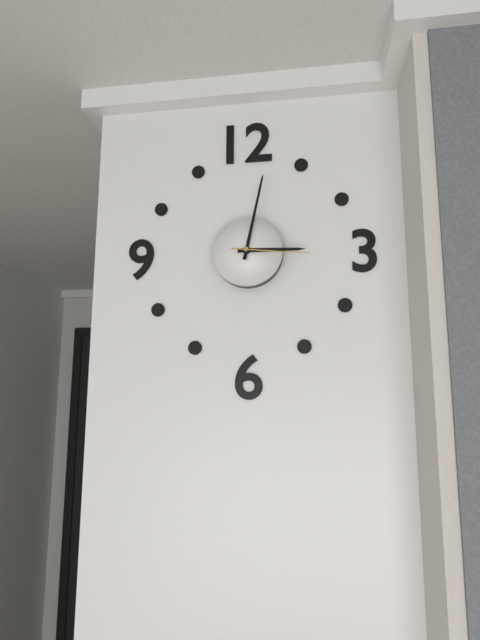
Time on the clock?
3:02:16
